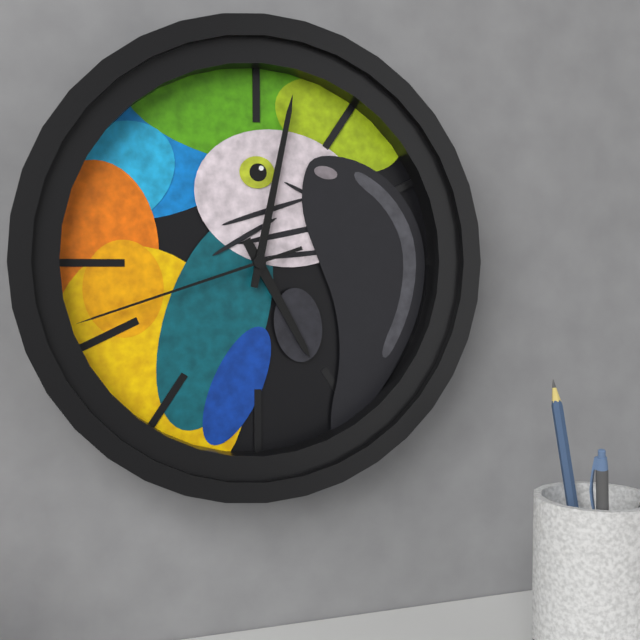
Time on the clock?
5:02:42
